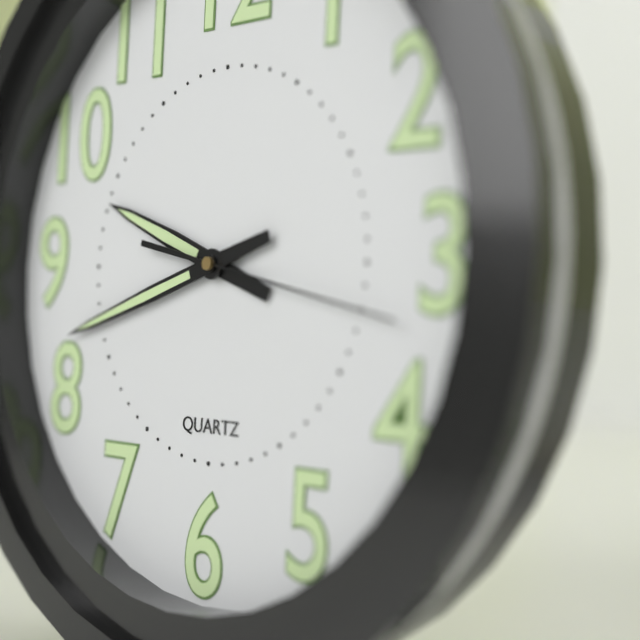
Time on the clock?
9:42:17
